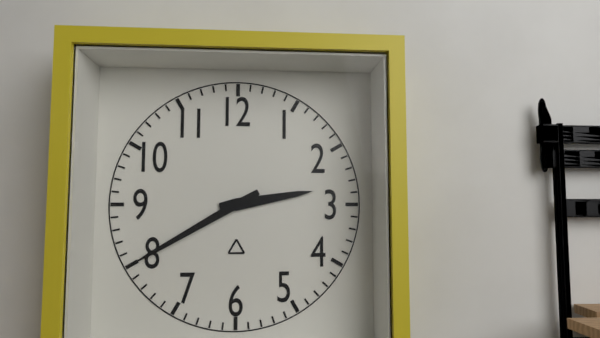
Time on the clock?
2:40
